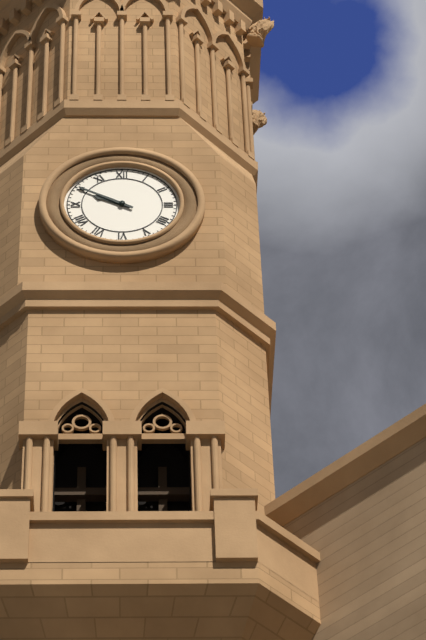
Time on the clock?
9:50
